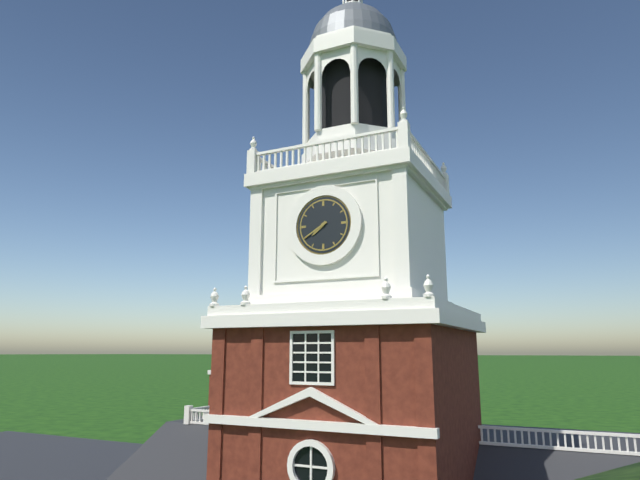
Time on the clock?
7:40
